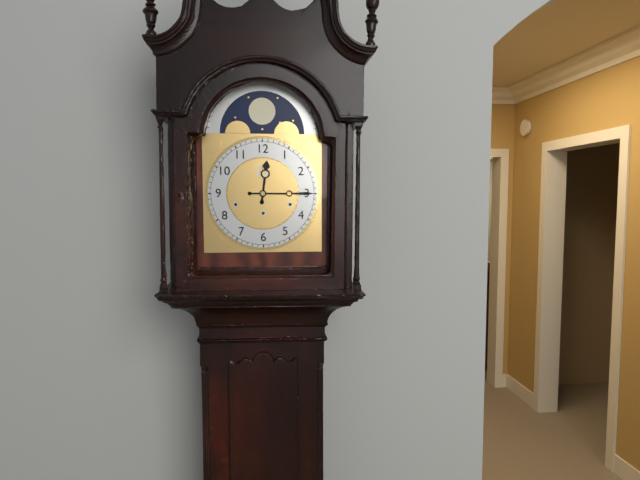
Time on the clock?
12:15
